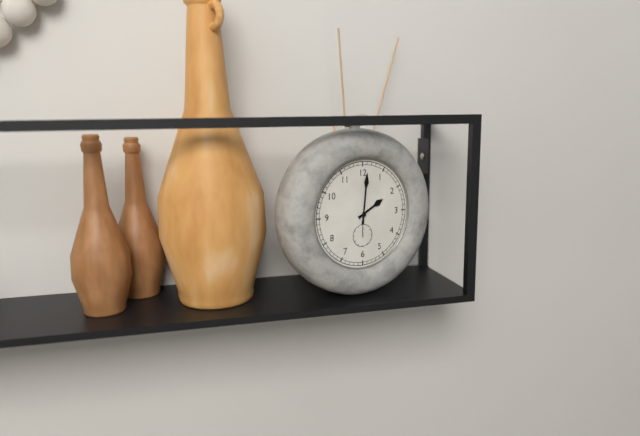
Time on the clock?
2:01
